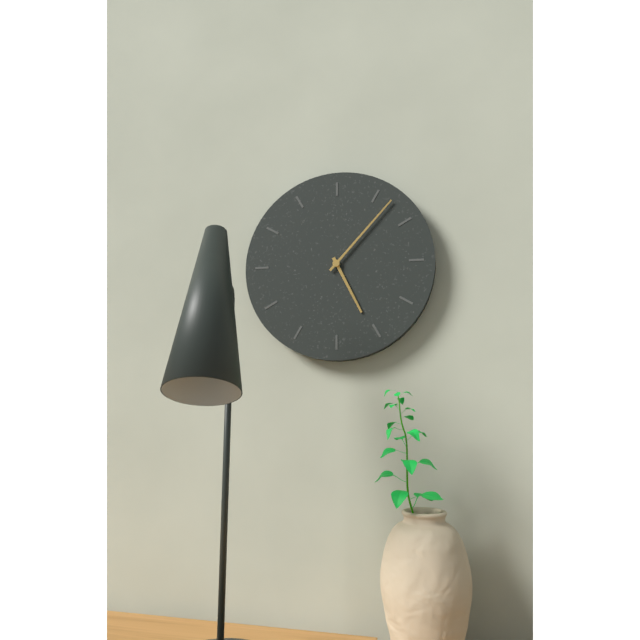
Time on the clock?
5:07
